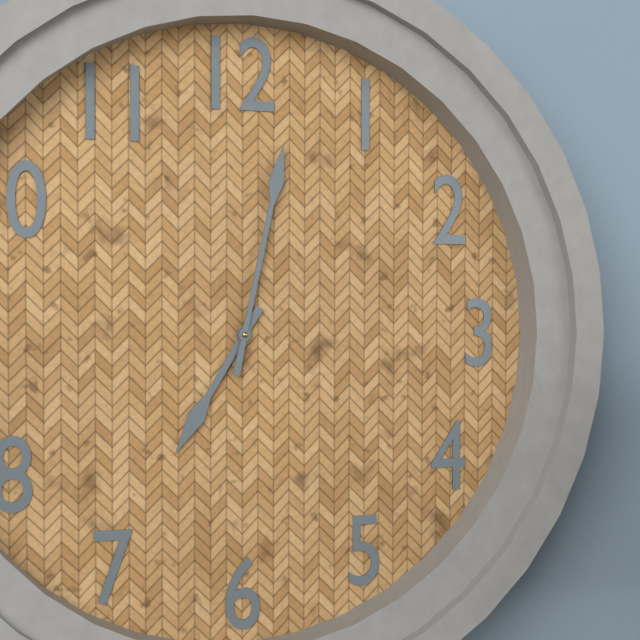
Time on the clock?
7:02
